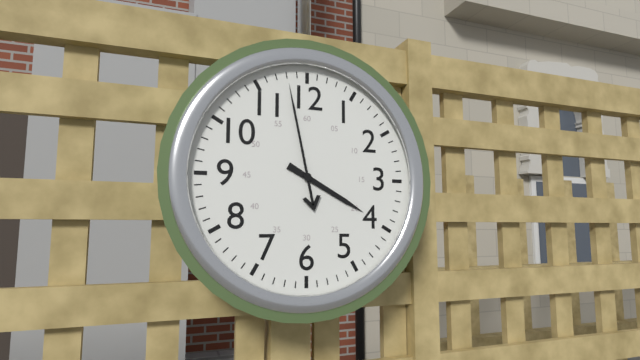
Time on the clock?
3:58
